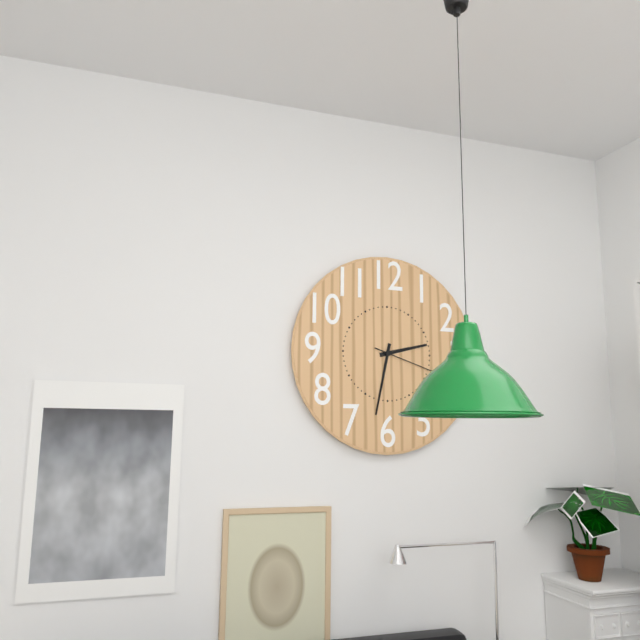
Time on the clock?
2:32:18
